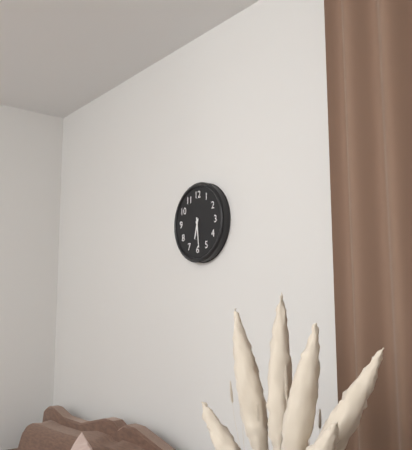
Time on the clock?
6:29
